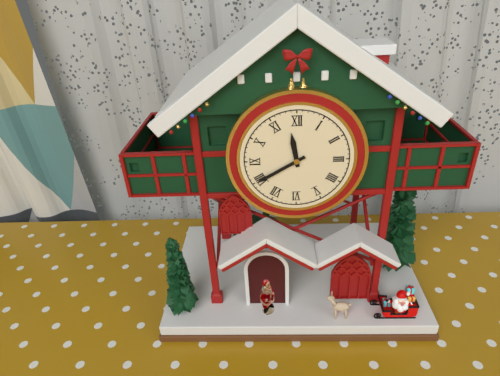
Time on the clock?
11:40
